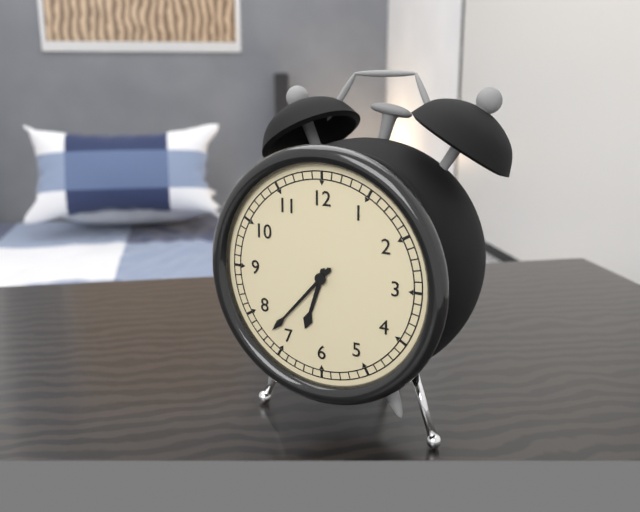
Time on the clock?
6:37
